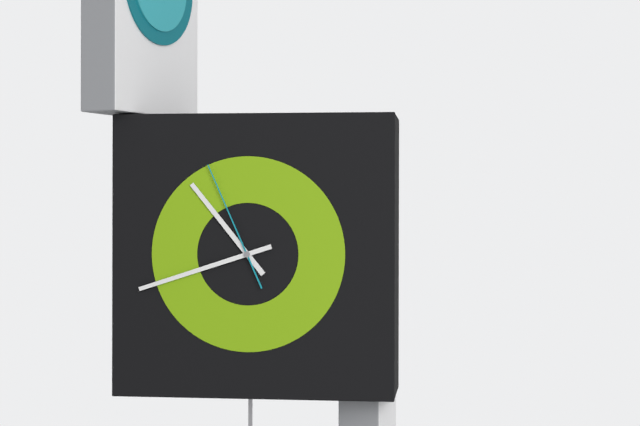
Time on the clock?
10:42:56
